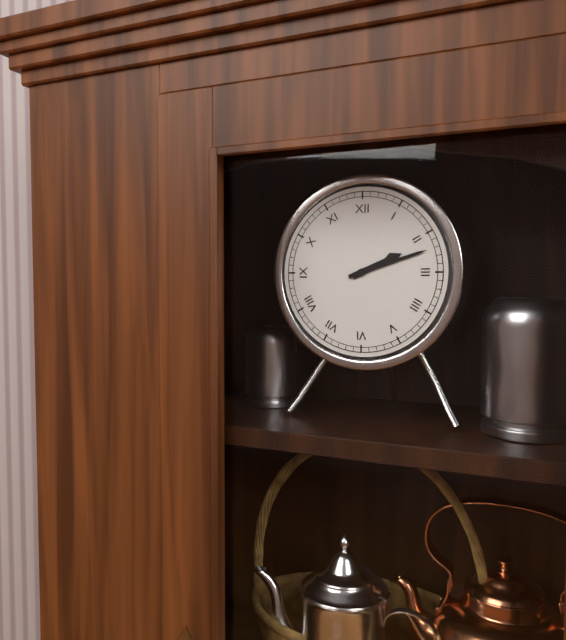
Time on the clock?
2:12
